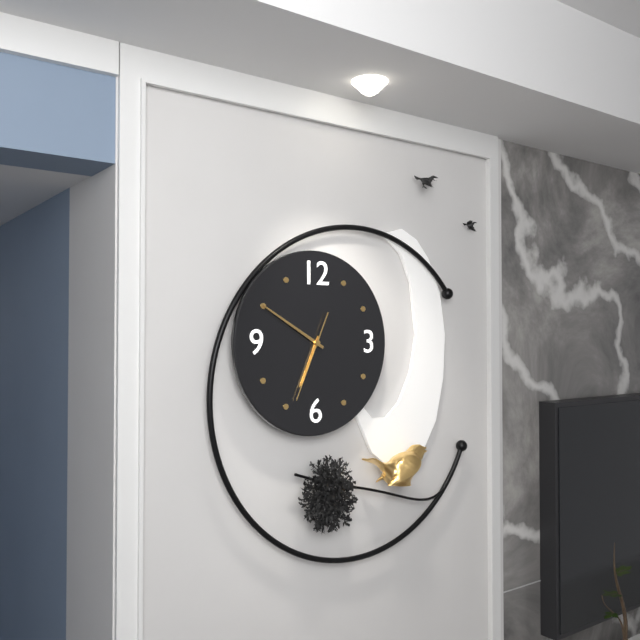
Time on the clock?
6:50:34
